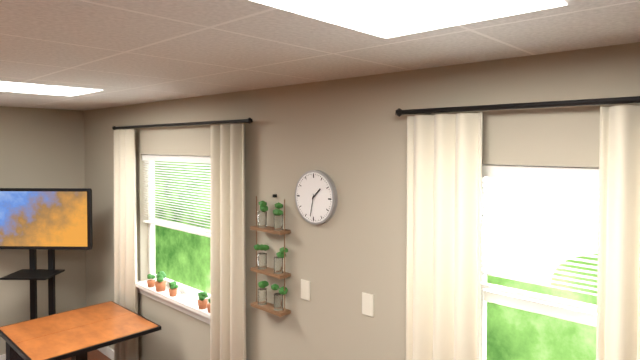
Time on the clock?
1:32
